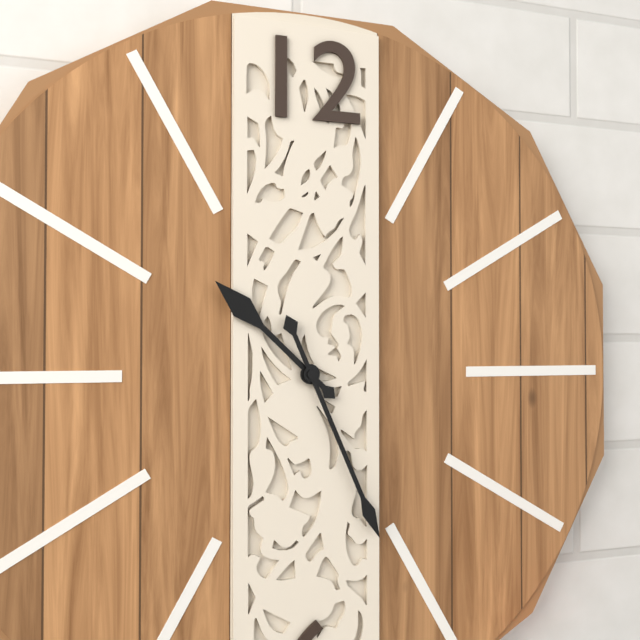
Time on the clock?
10:26
